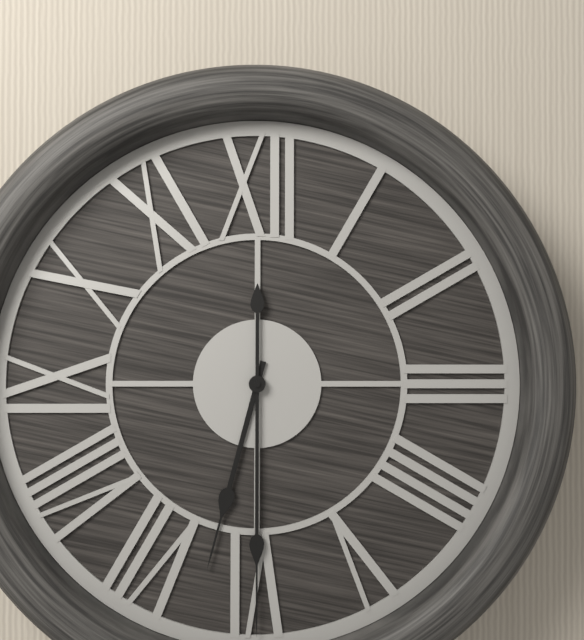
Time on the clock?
6:30
